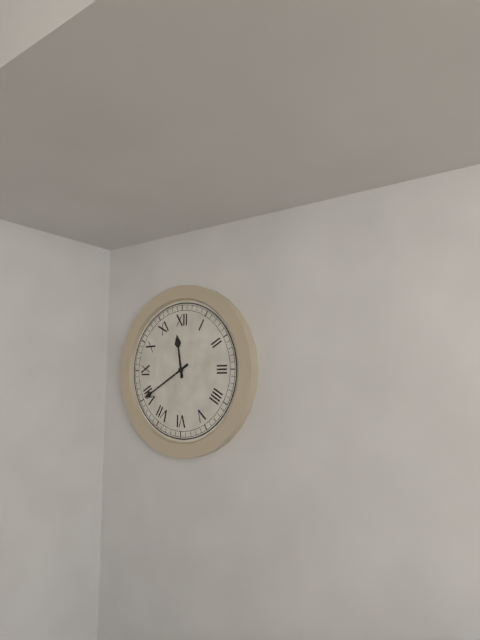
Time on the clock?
11:40
